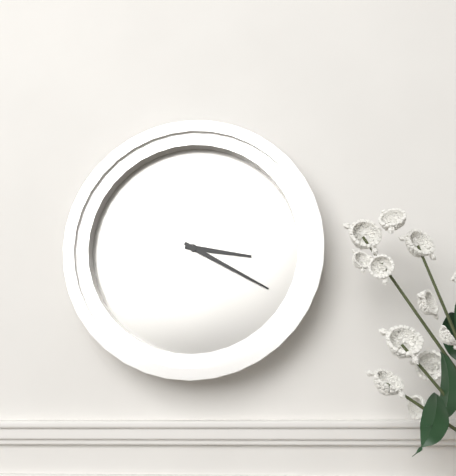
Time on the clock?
3:20
